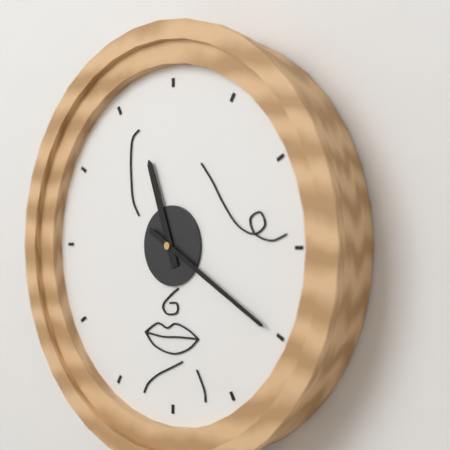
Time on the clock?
11:20
